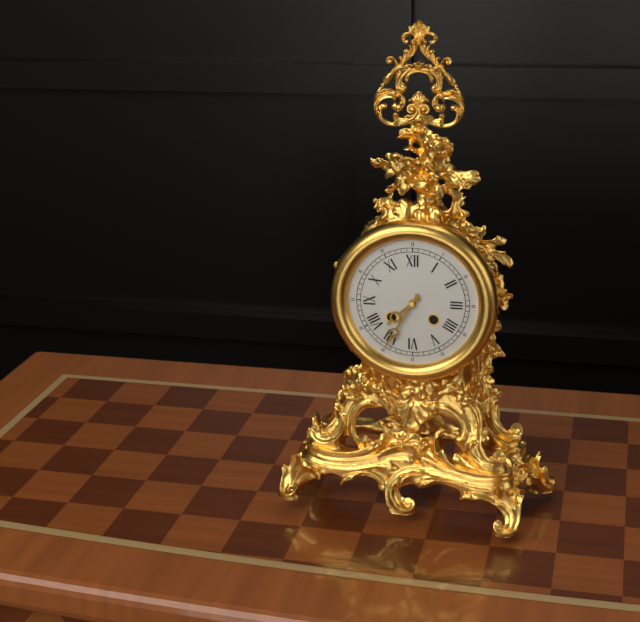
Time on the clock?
7:35
